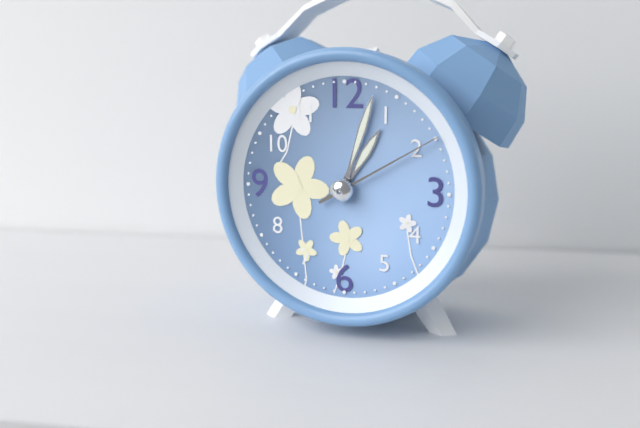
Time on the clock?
1:03:10
